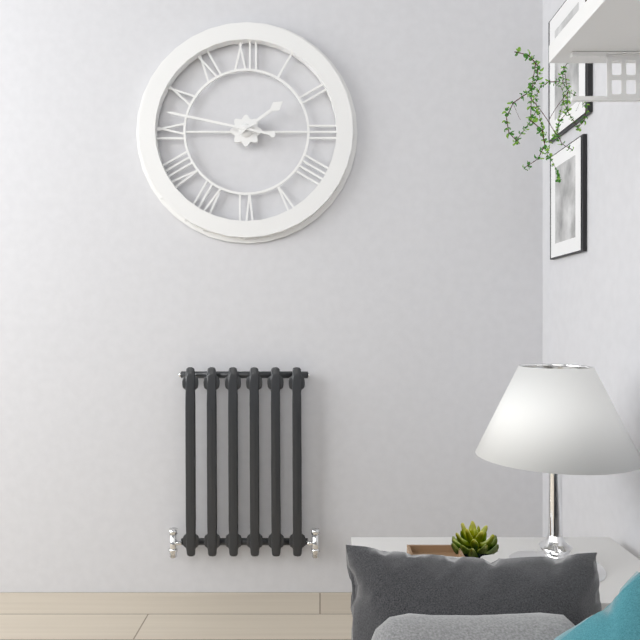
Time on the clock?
1:47
